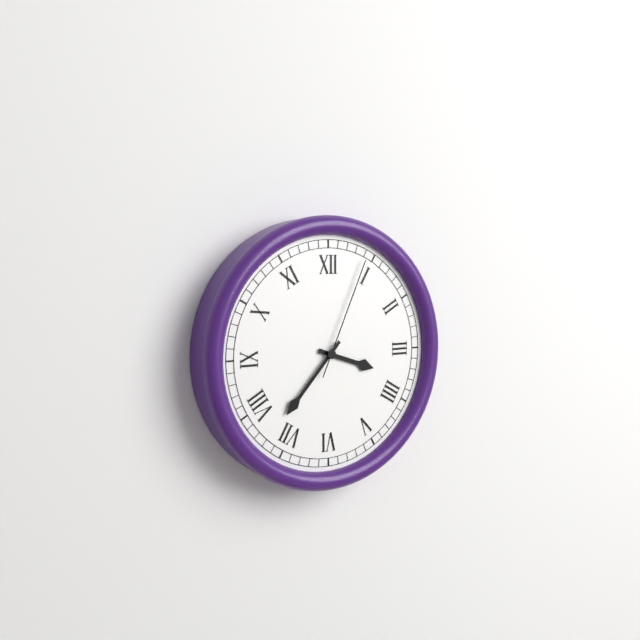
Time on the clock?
3:37:04
